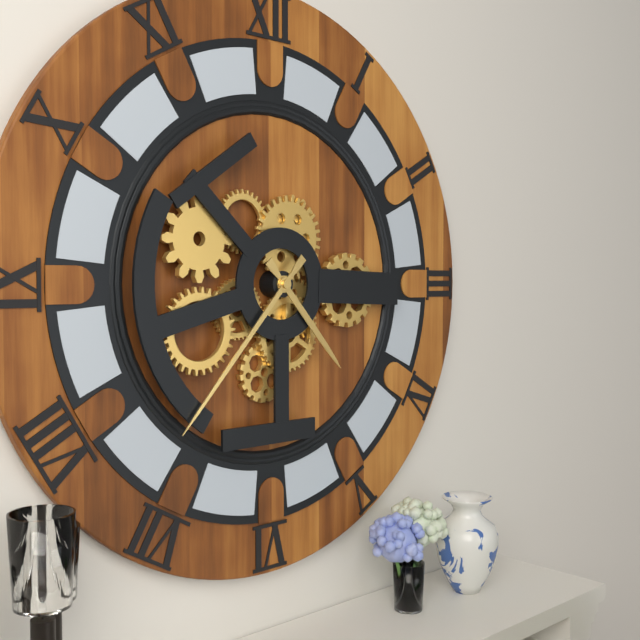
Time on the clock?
4:37
